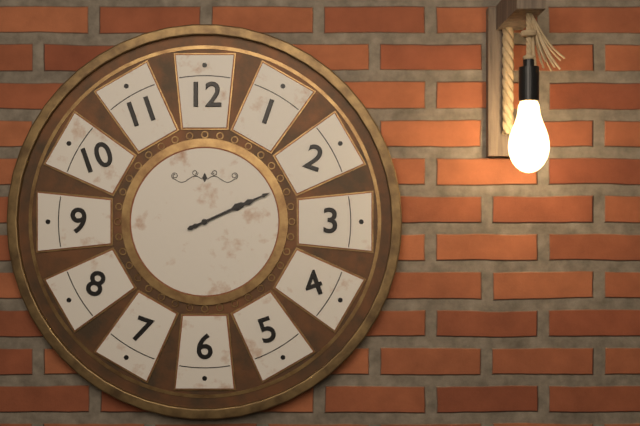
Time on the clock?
2:11
